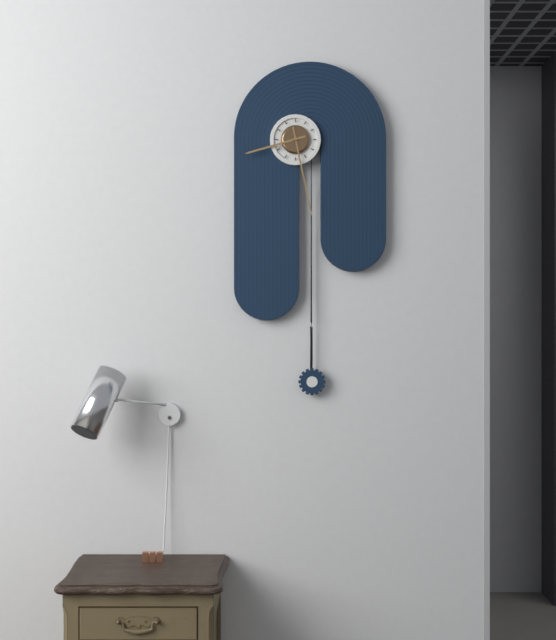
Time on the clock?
8:28
